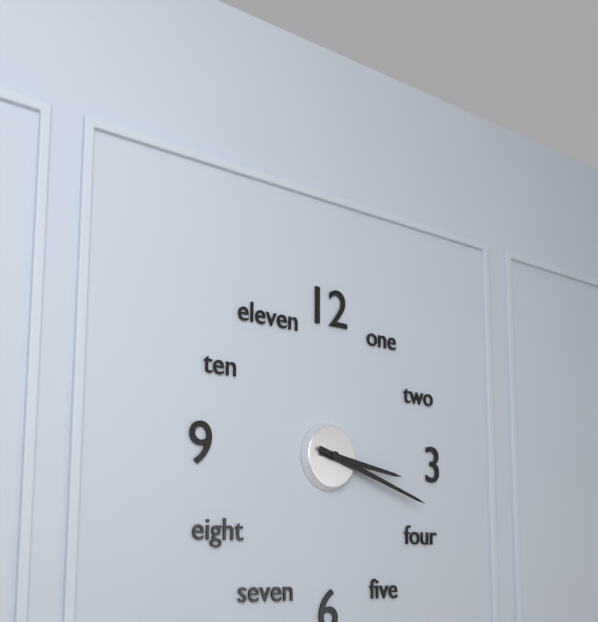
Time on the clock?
3:18
